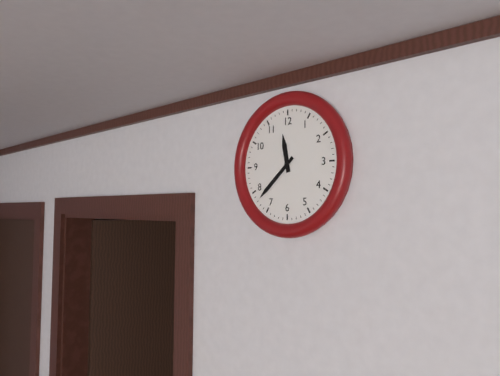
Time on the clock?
11:38
